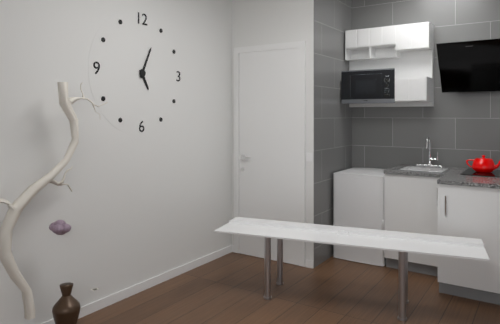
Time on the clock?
5:04
